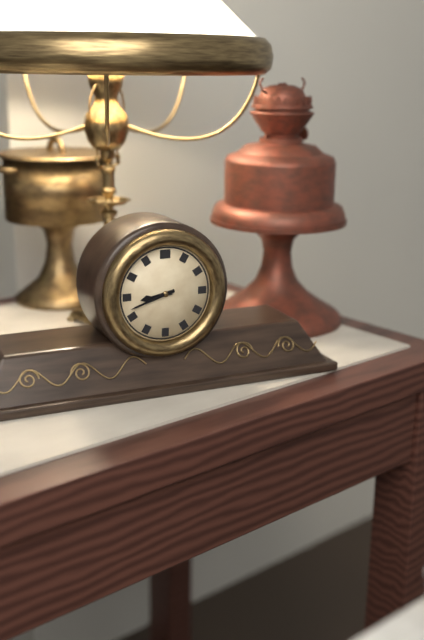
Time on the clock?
8:42
